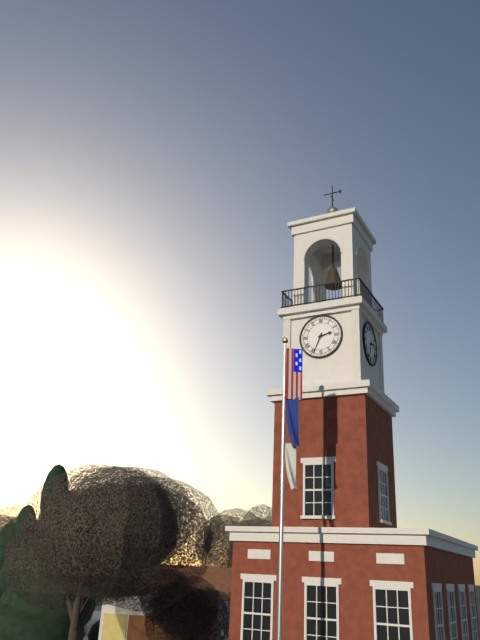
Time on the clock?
2:34
